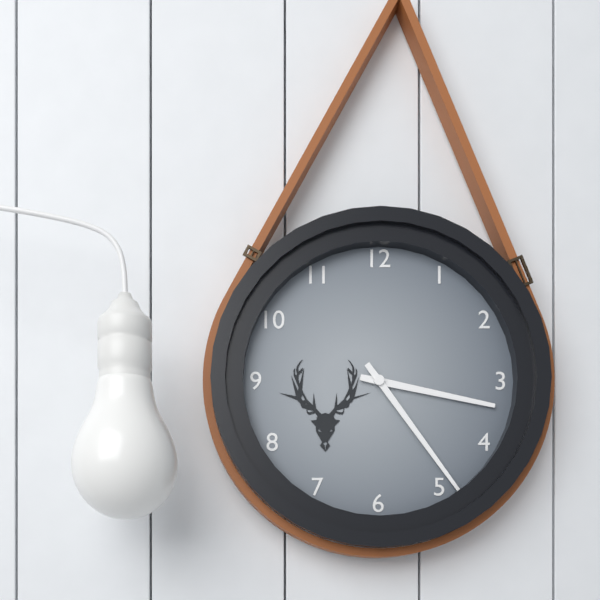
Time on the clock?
3:24
